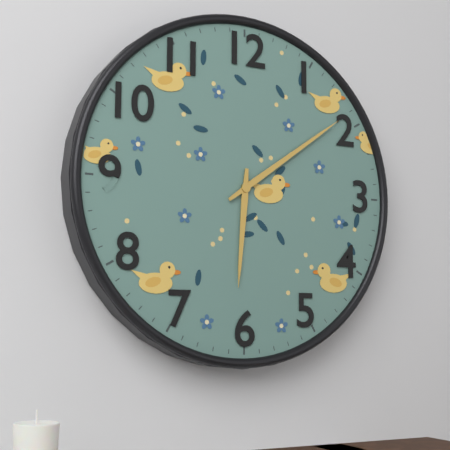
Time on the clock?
6:09
